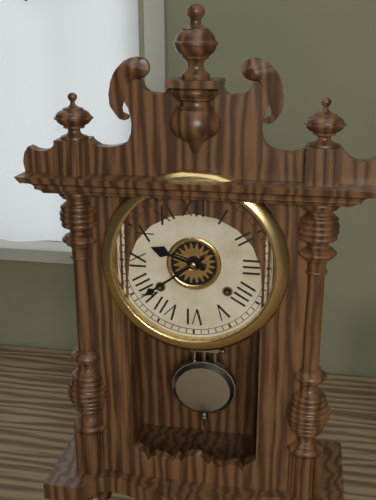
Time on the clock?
9:39
